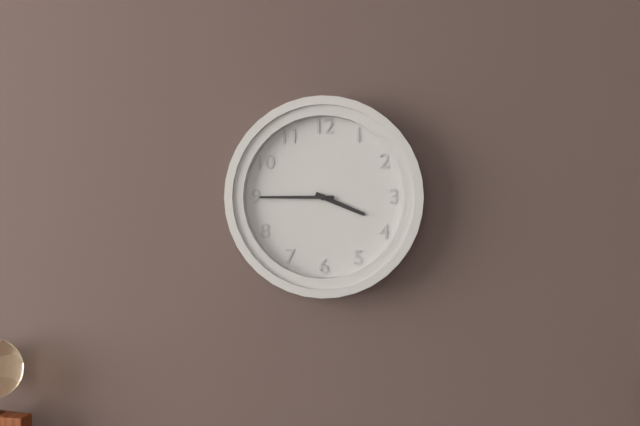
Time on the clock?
3:45
